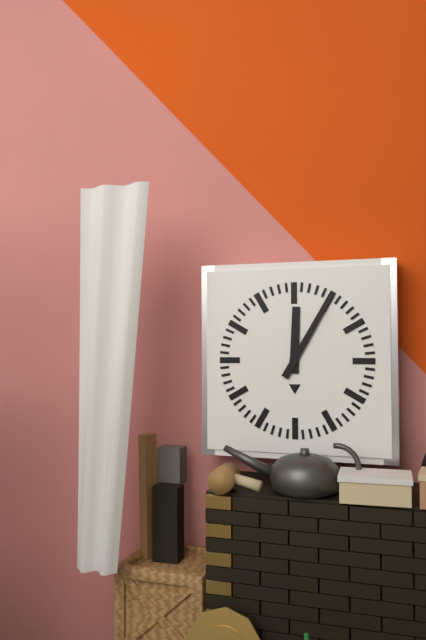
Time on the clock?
12:05
